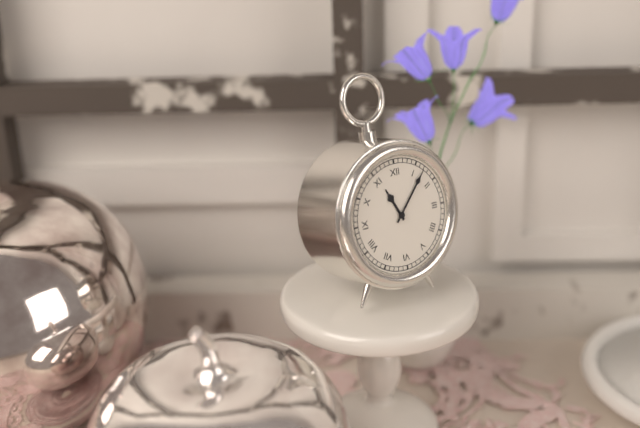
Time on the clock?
11:07
